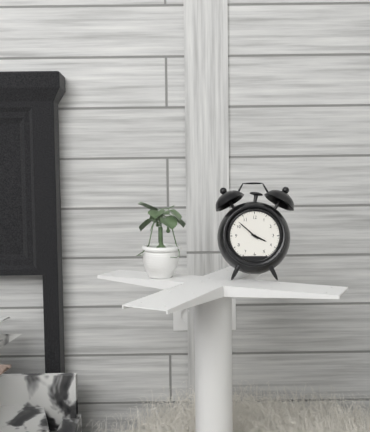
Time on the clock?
3:52
